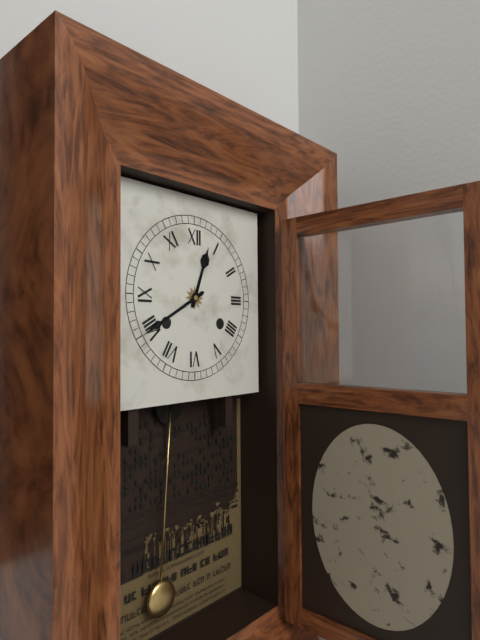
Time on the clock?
12:40
